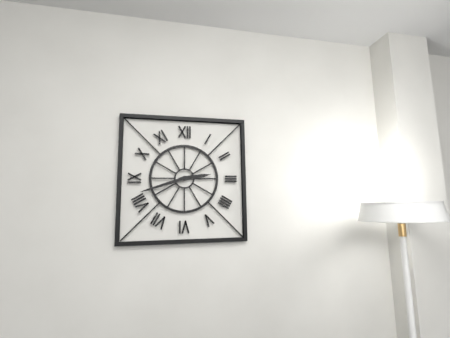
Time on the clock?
2:42
